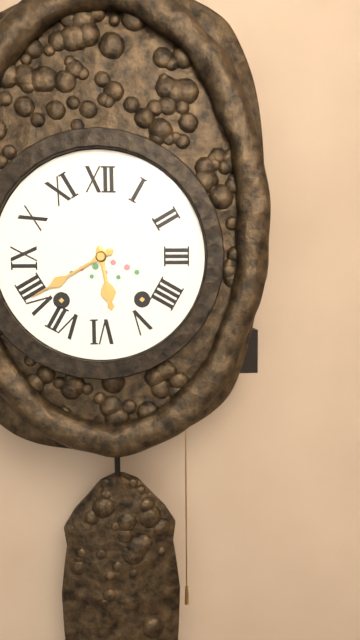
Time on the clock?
5:40
